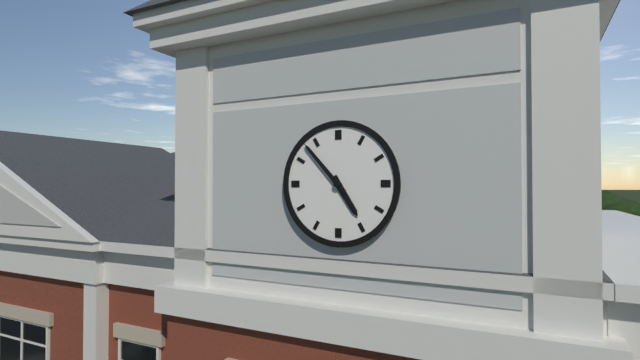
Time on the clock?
4:53
